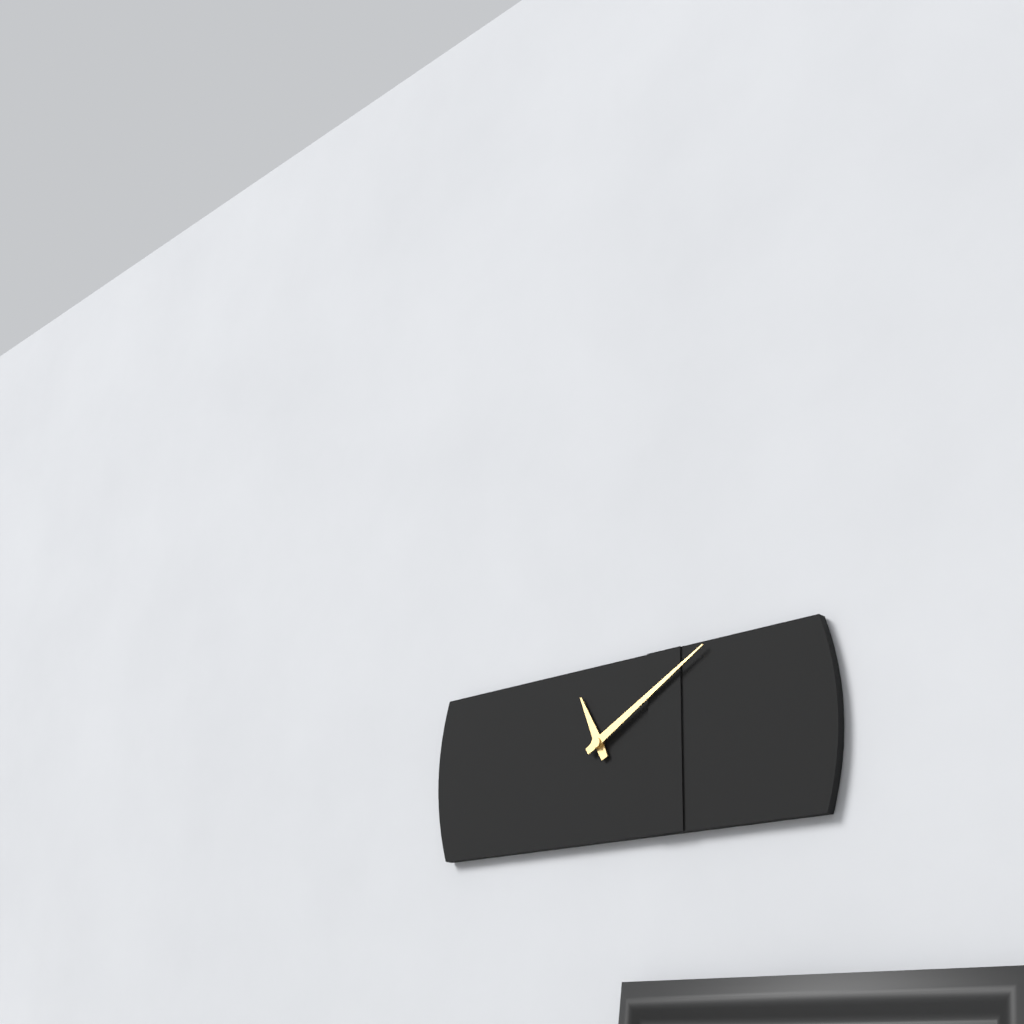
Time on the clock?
11:10
